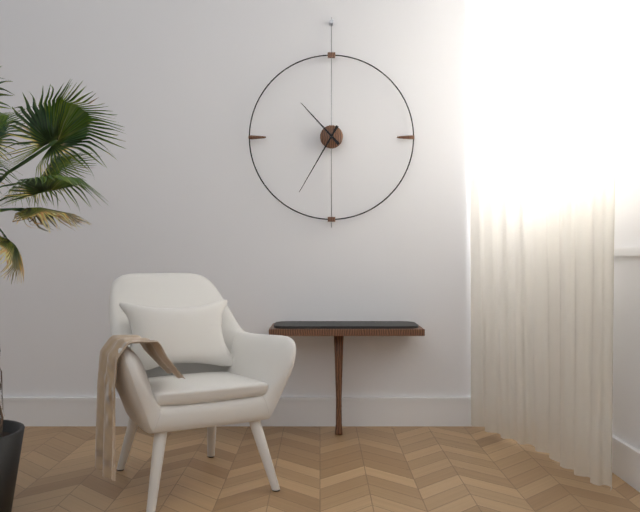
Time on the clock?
10:35
